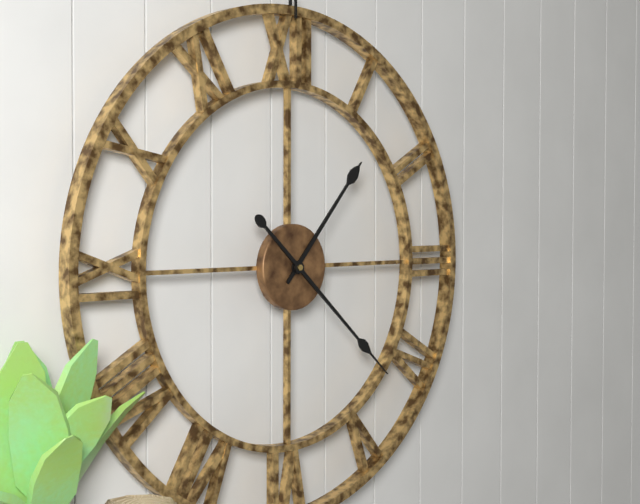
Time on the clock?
1:22
